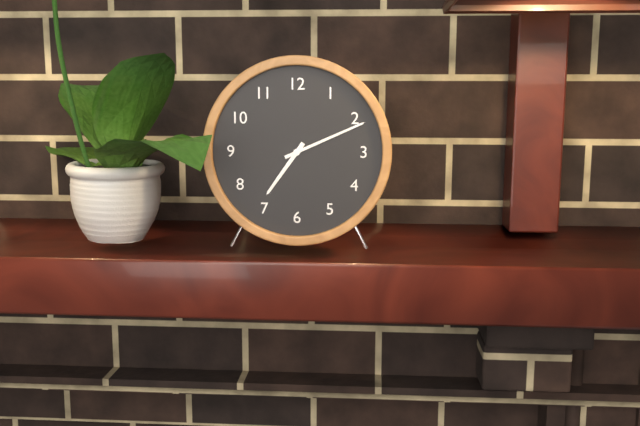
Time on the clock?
7:11
